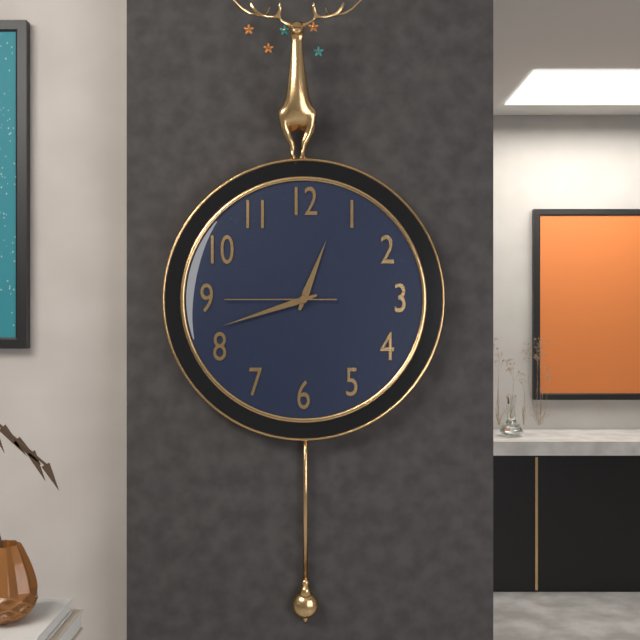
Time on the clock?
12:42:45
